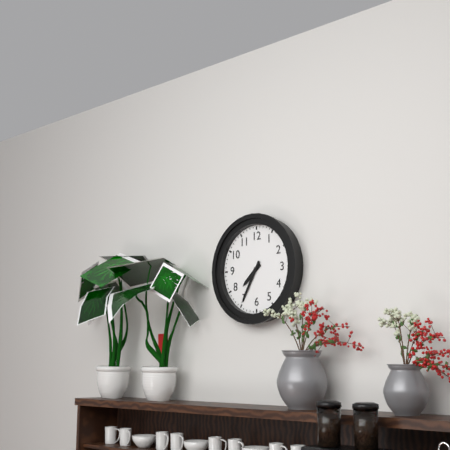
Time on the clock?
7:35
